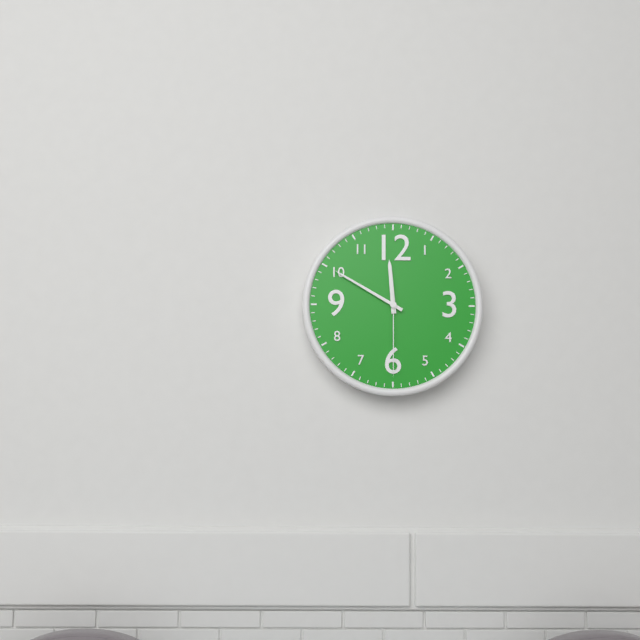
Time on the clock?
11:50:30
